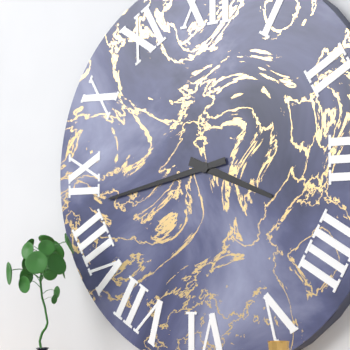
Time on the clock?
3:43
